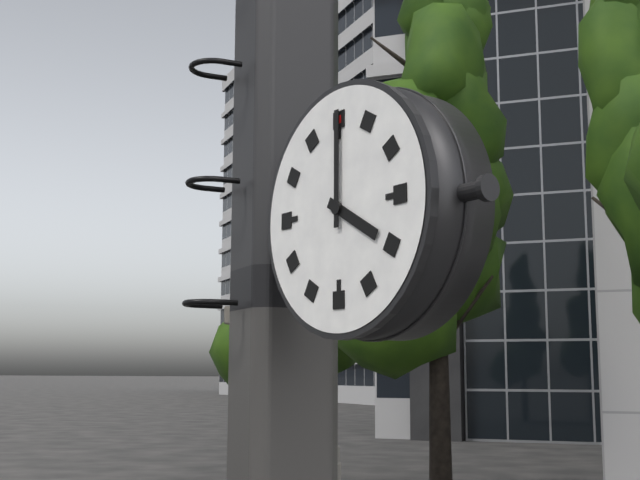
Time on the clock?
4:00
